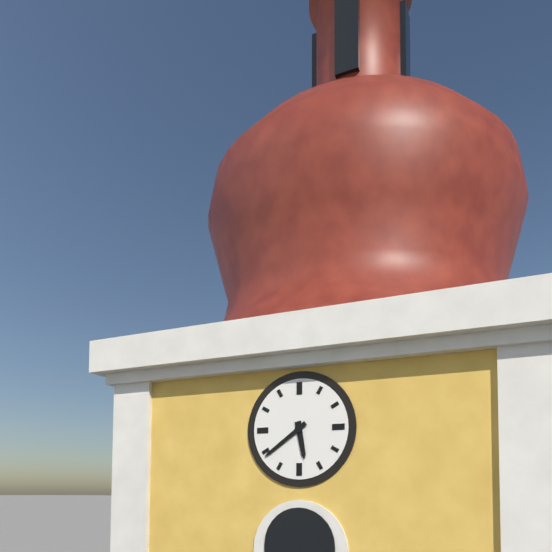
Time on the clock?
5:39
